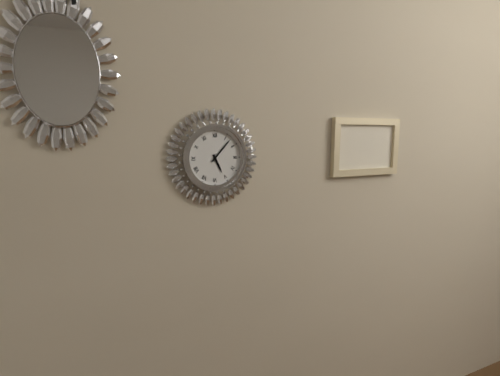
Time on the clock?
5:07
